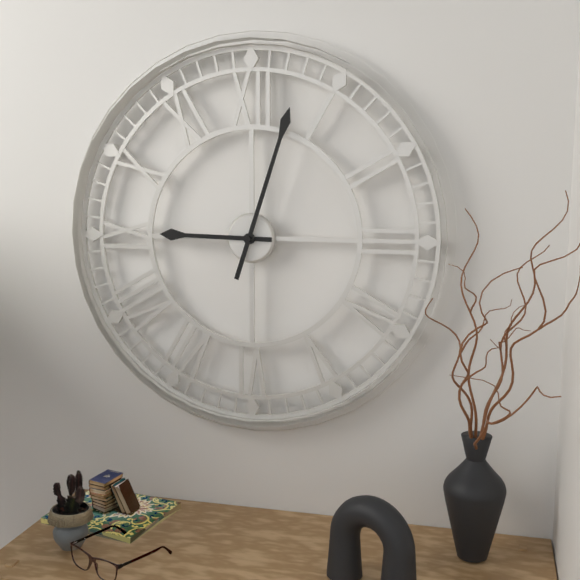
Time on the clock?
9:03
